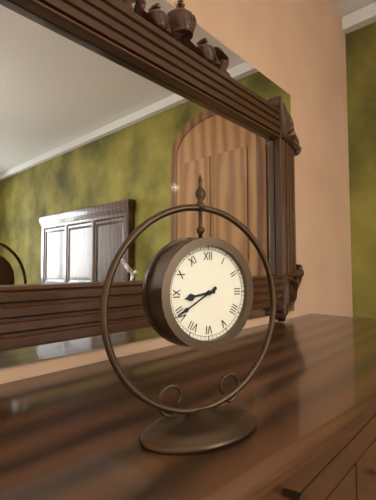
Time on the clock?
8:40
